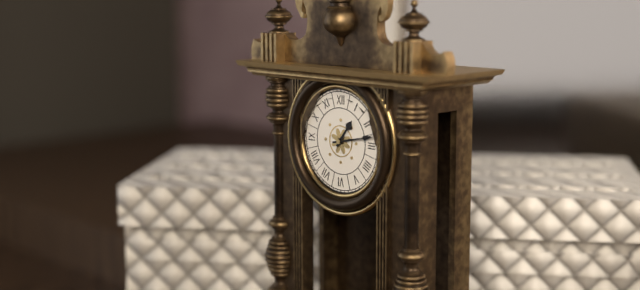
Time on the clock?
1:13
